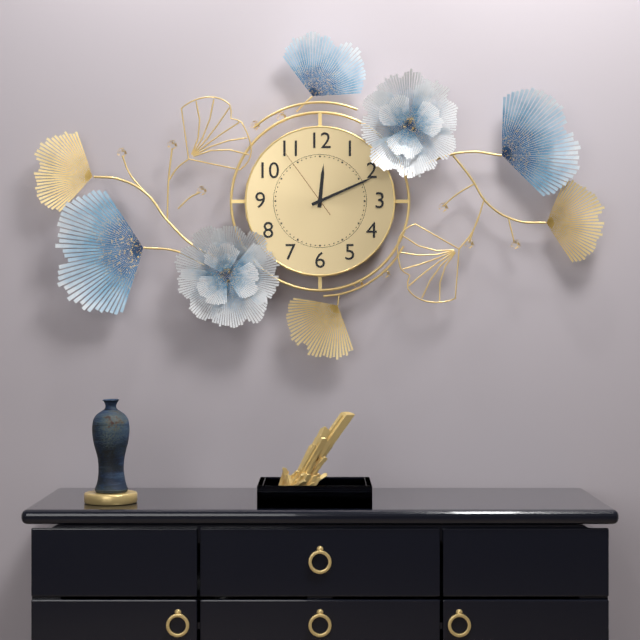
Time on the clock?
12:11:54
